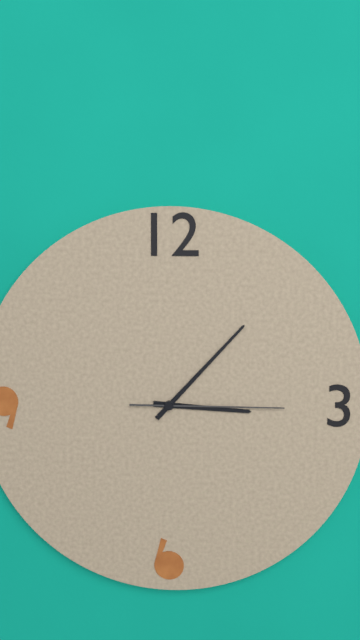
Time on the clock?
3:07:15
